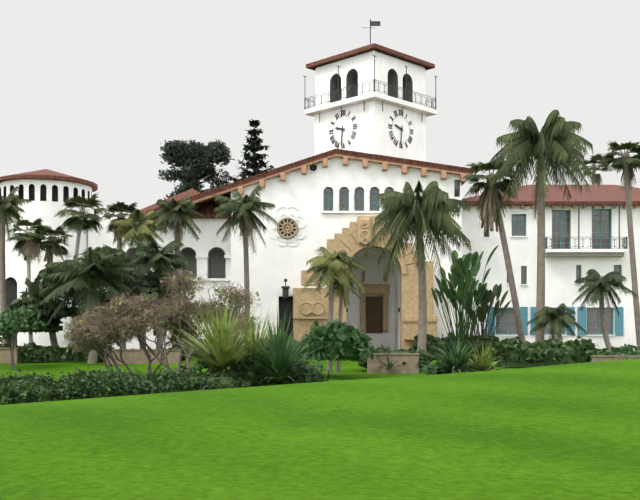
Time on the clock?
9:31
